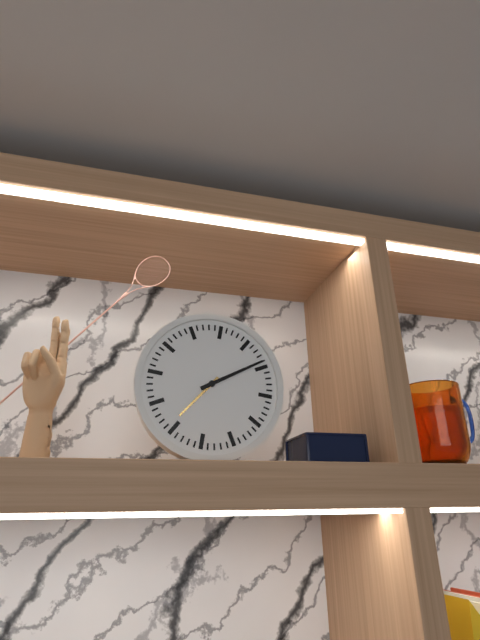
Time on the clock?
7:09
